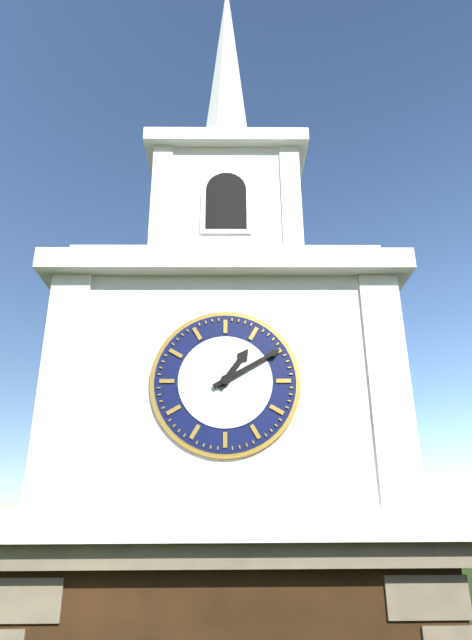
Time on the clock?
1:10
